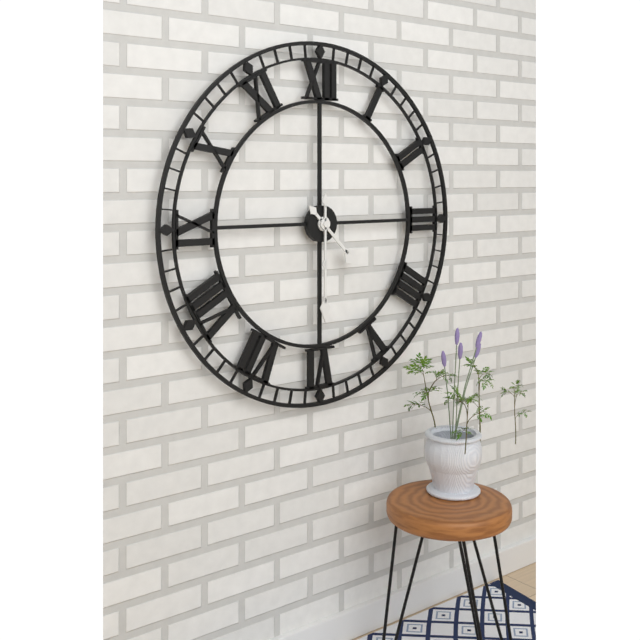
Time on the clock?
4:30
